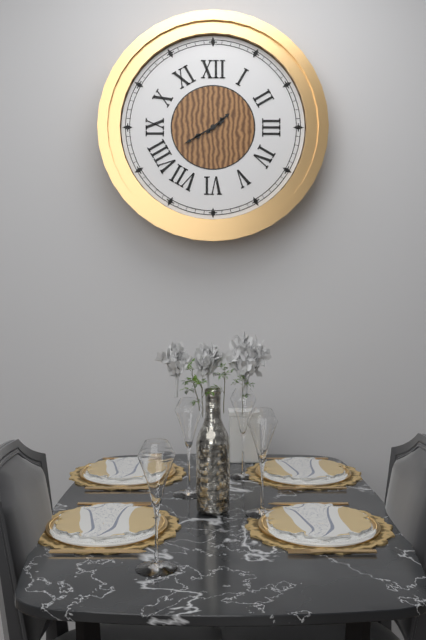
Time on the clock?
1:40
